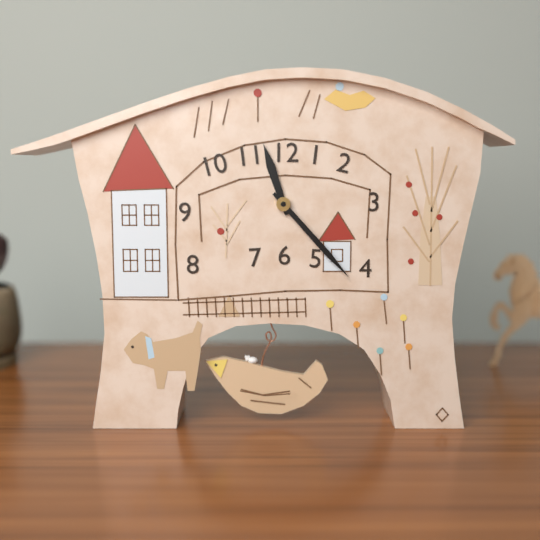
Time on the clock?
11:23
